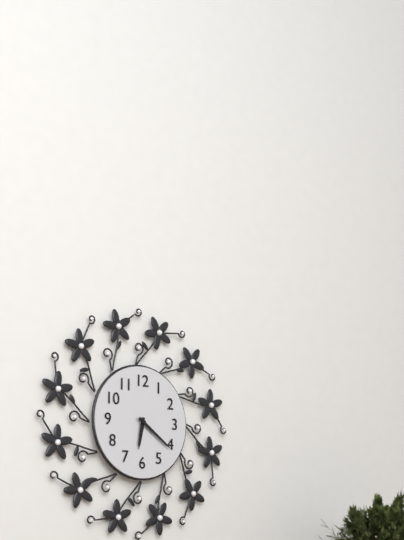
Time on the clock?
6:21
